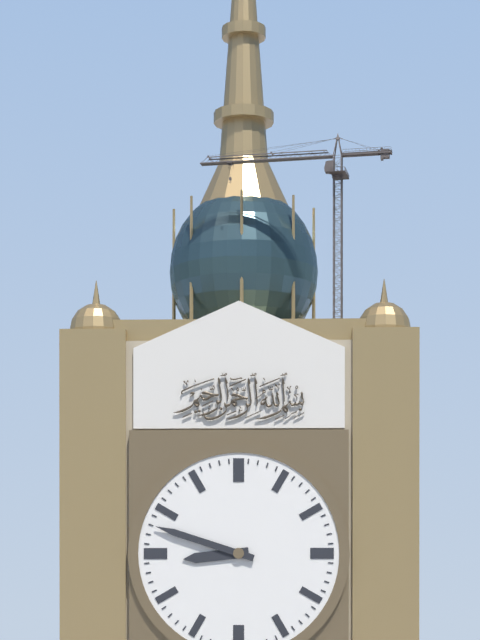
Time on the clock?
8:48
